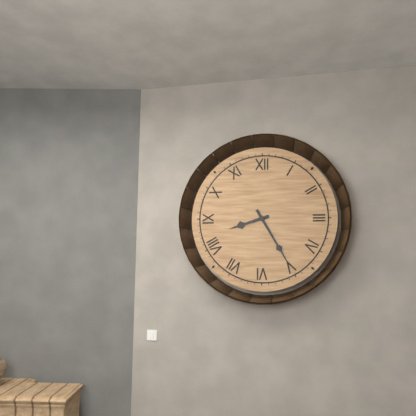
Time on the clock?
8:25
